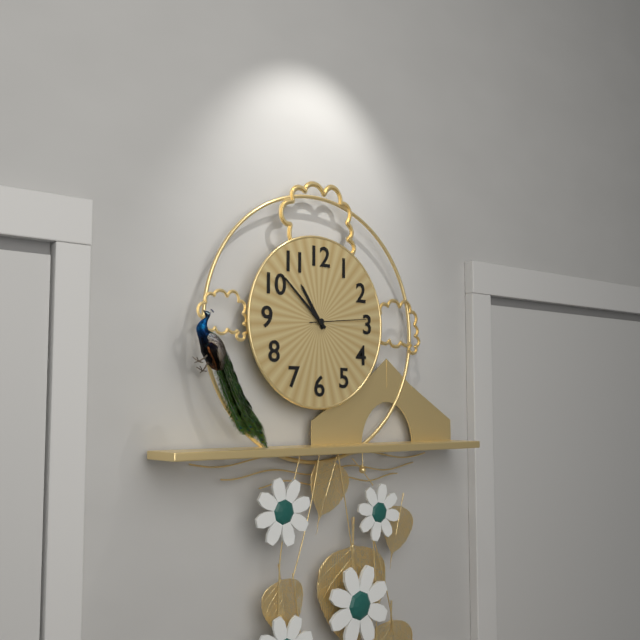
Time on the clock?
10:52:14
